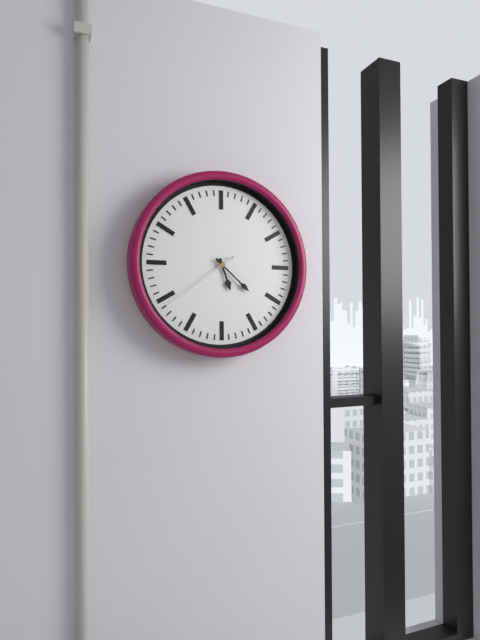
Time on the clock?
5:22:39
